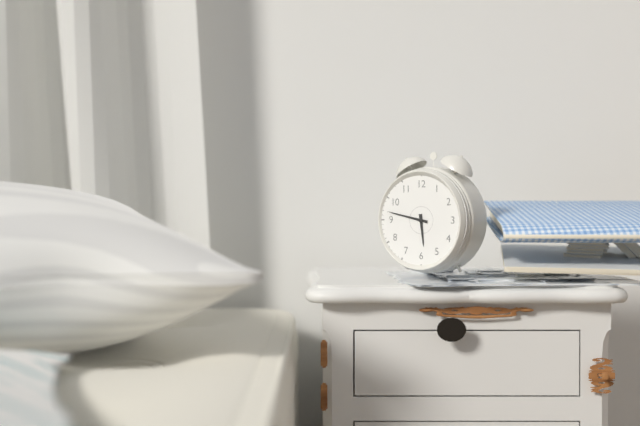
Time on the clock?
5:47
